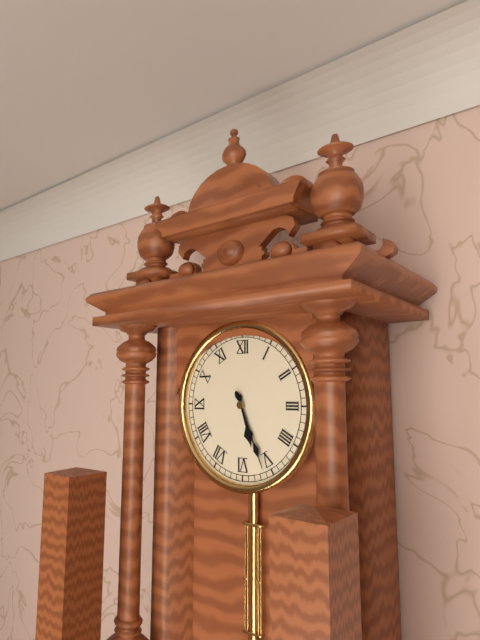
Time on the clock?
5:26
